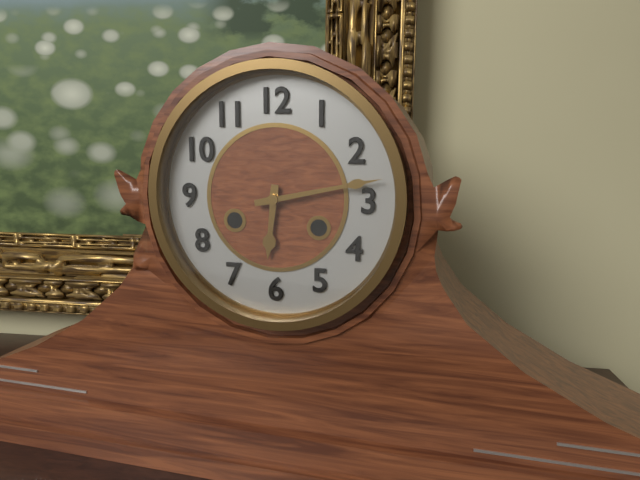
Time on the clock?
6:13
